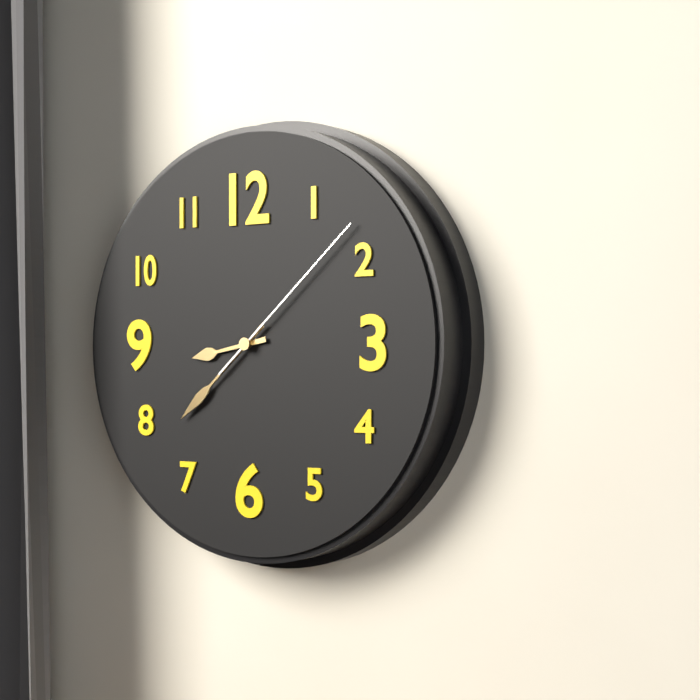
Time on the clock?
8:38:08
